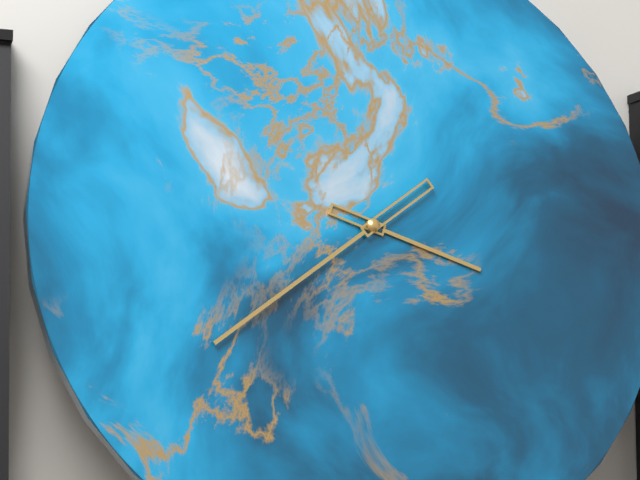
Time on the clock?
3:39
